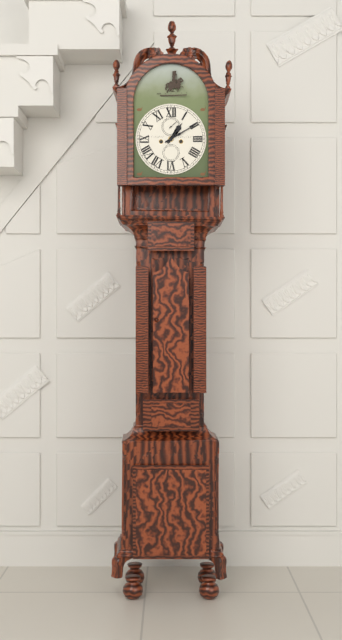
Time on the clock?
1:10
